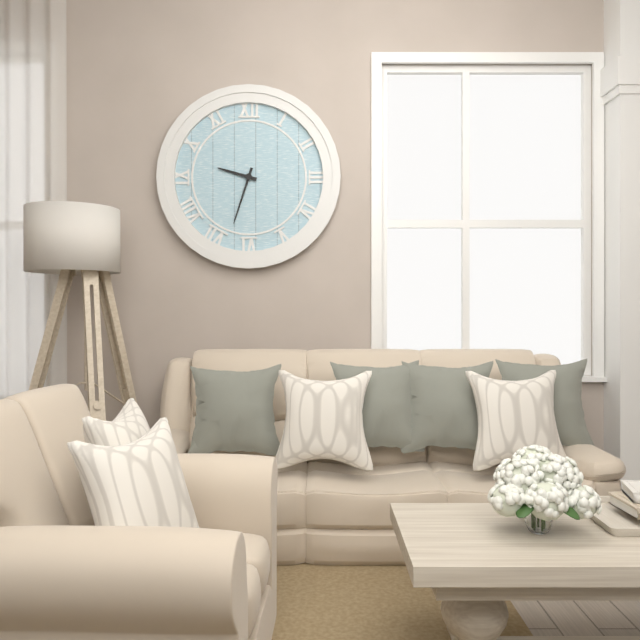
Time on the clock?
9:33
